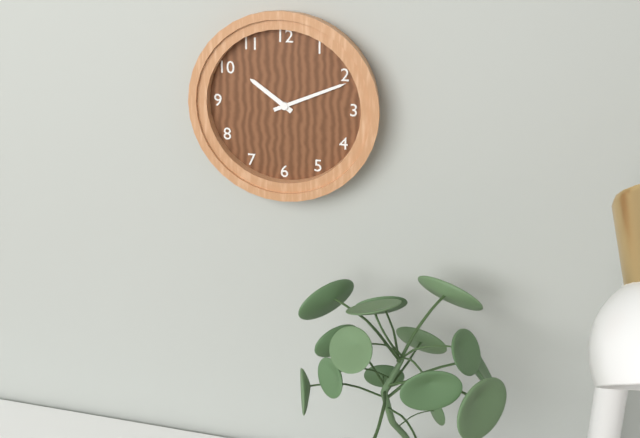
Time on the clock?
10:11
